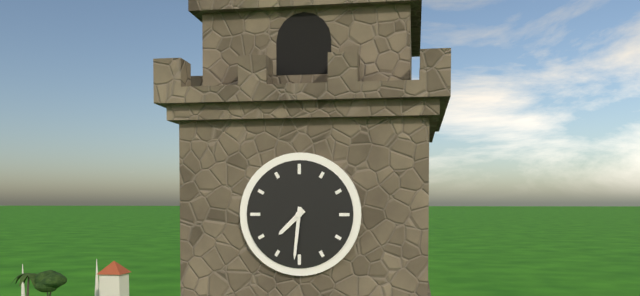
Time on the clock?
7:31
